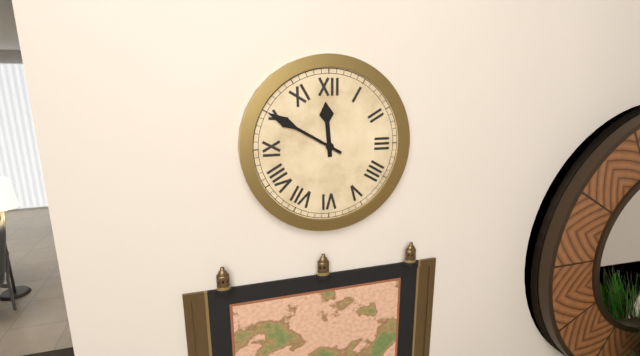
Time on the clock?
11:50
